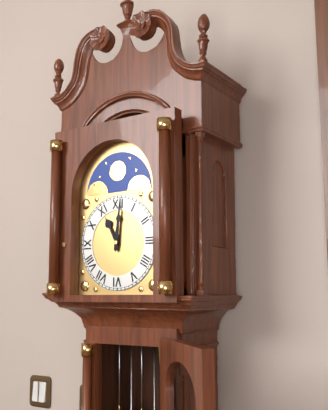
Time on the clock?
11:01
